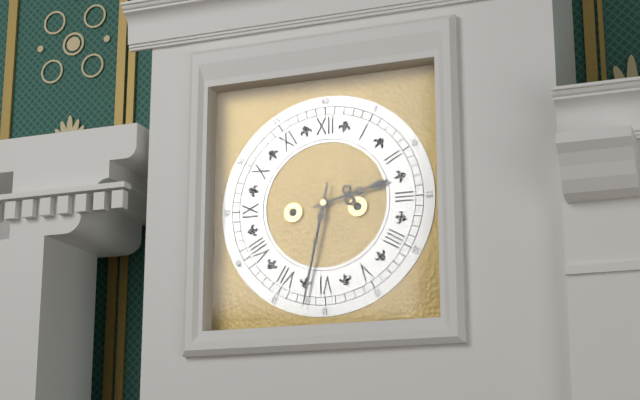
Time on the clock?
2:32
